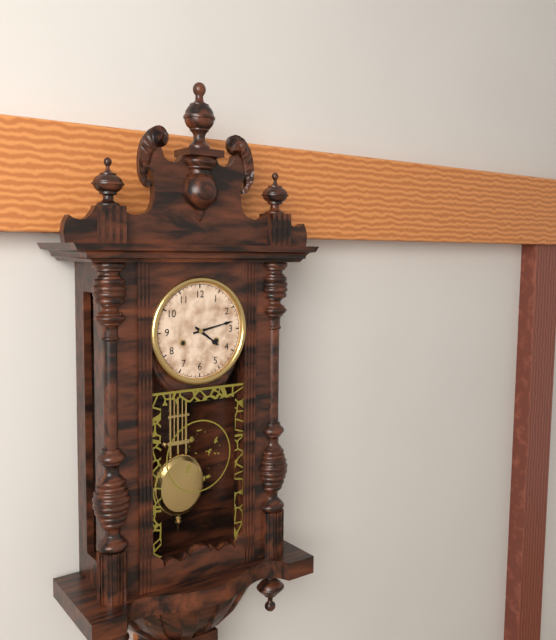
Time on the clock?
4:13
